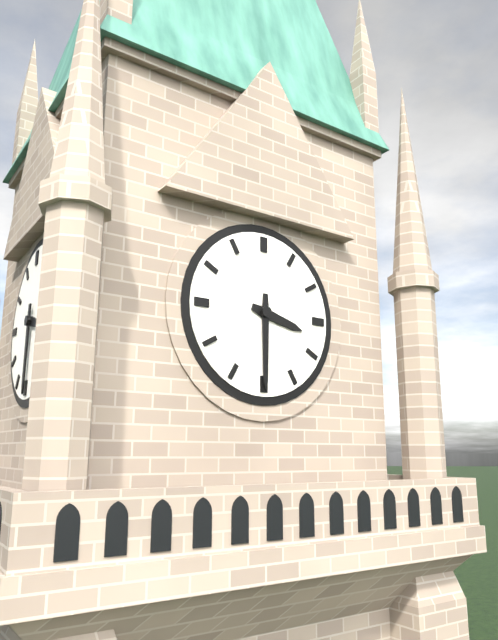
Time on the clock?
3:30
